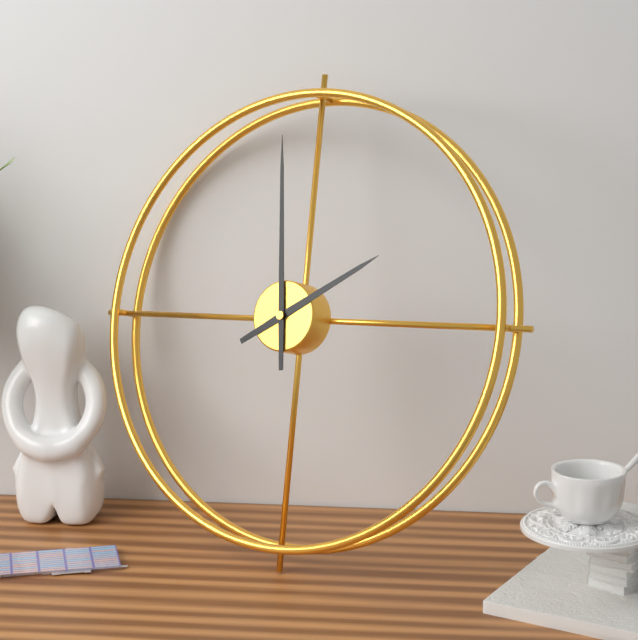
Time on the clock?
1:59
